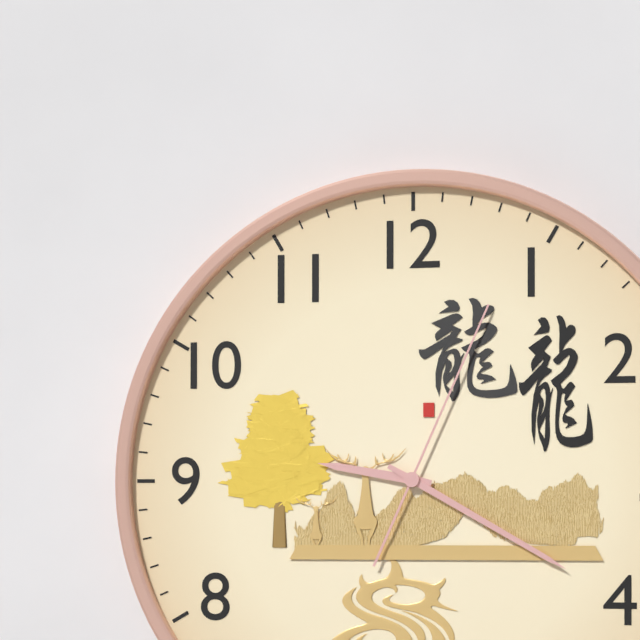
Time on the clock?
9:20:04
